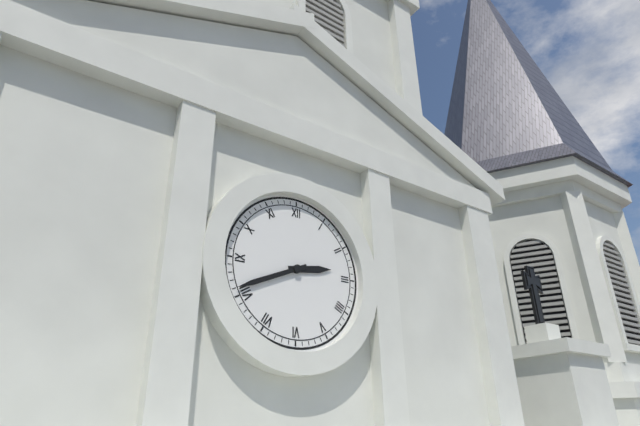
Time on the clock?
2:41
